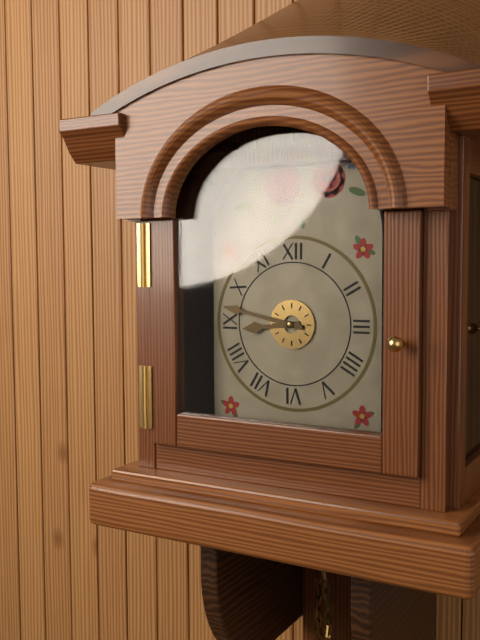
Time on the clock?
8:47
